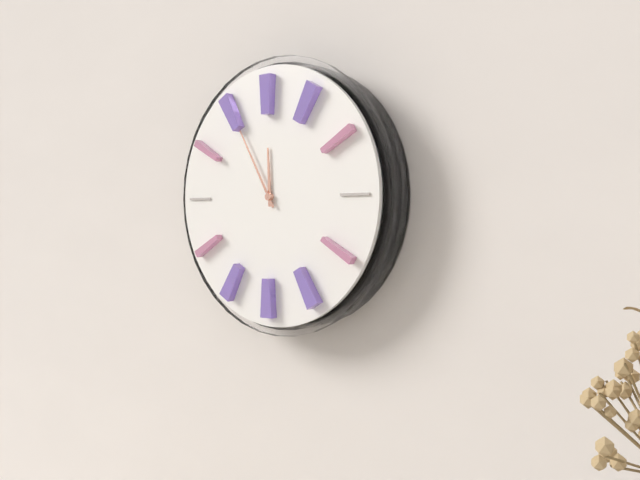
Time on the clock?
11:55
